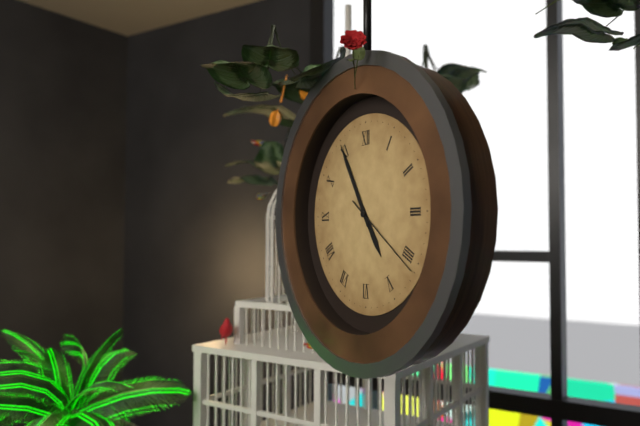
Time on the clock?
4:55:21
